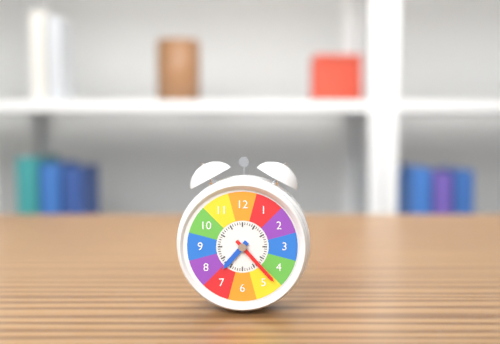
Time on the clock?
7:23
